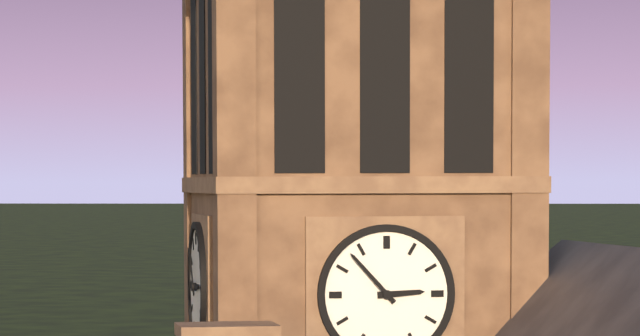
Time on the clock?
2:53
